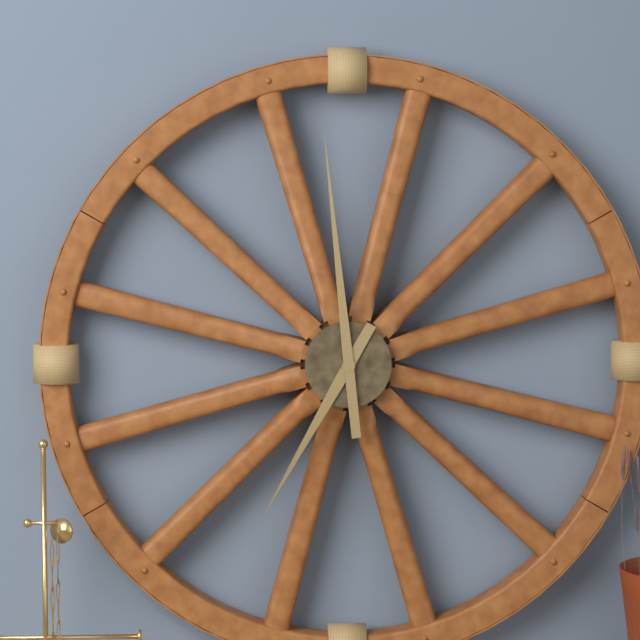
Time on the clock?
6:59
